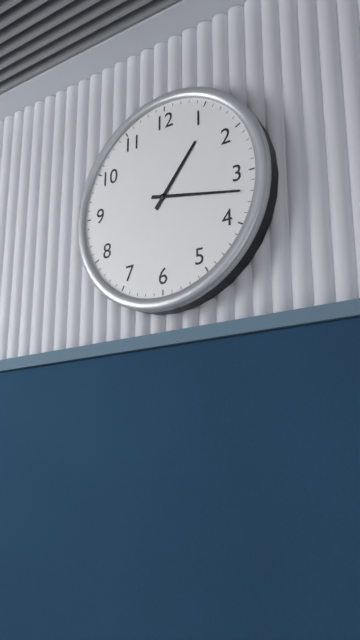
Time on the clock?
1:17
